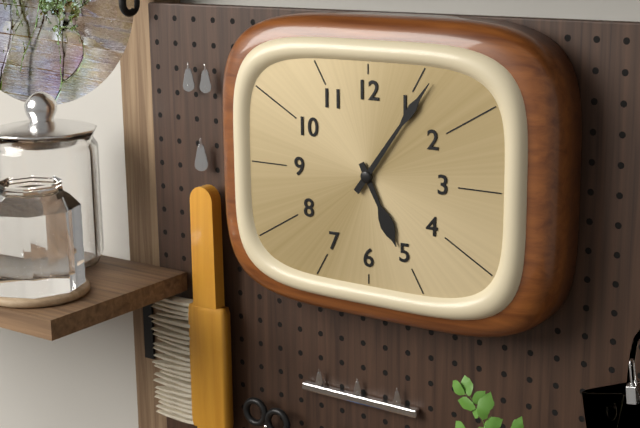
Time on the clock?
5:06
